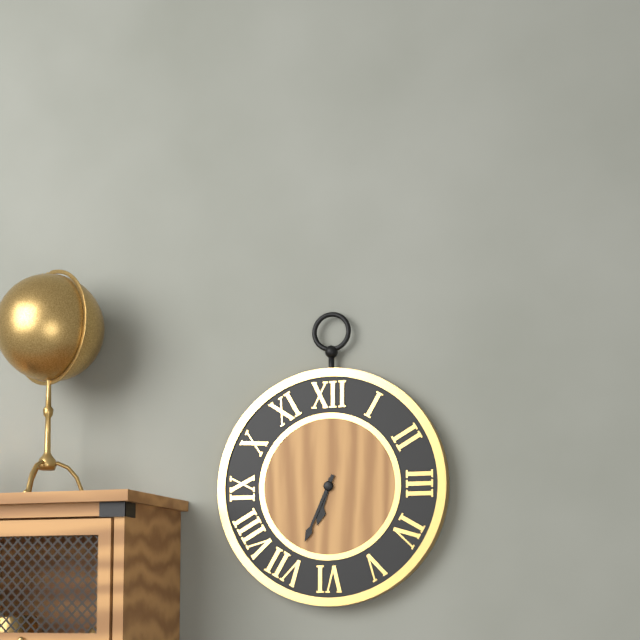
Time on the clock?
6:34
